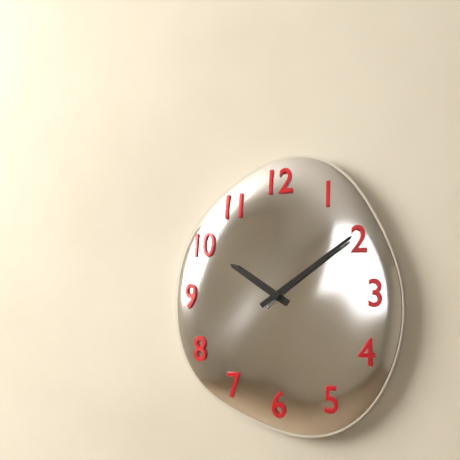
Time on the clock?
10:09
